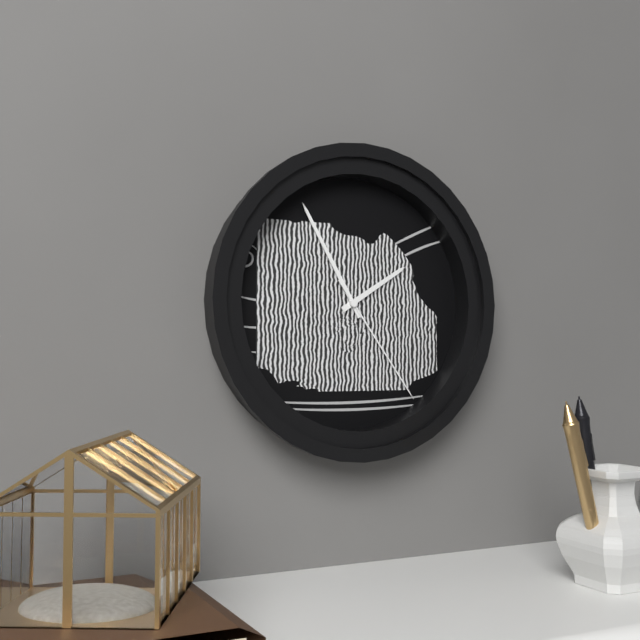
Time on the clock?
1:55:24
